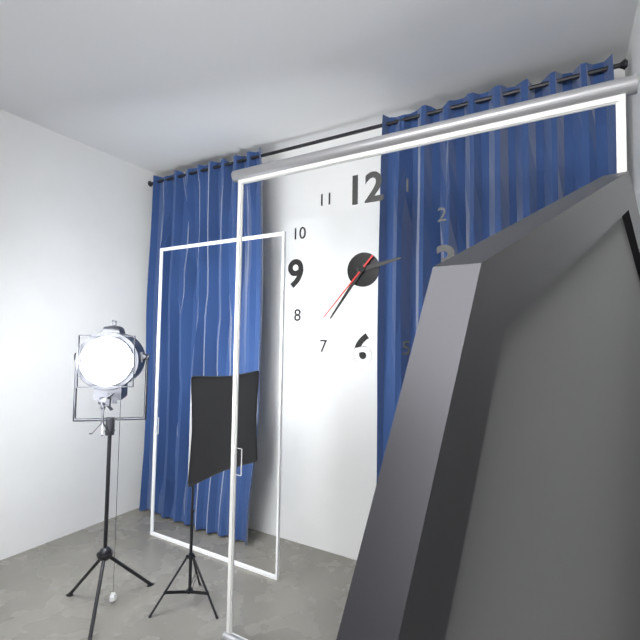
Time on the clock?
2:36:37
